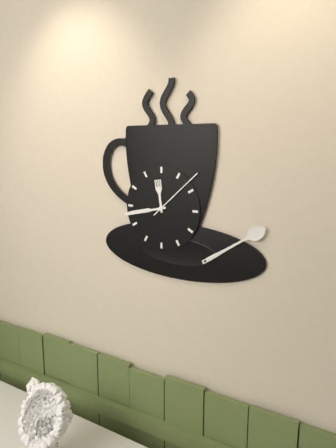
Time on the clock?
11:43:08
